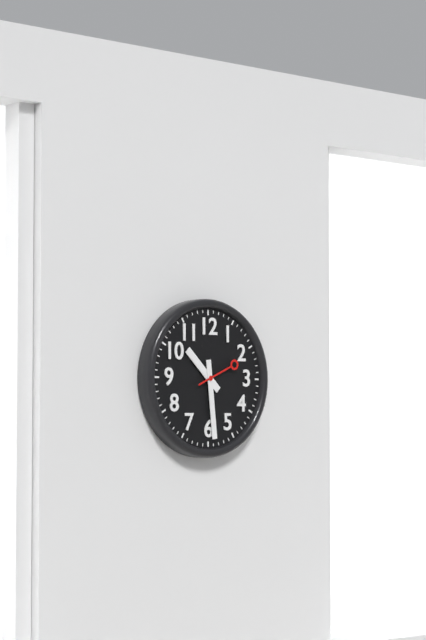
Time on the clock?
10:29:11
